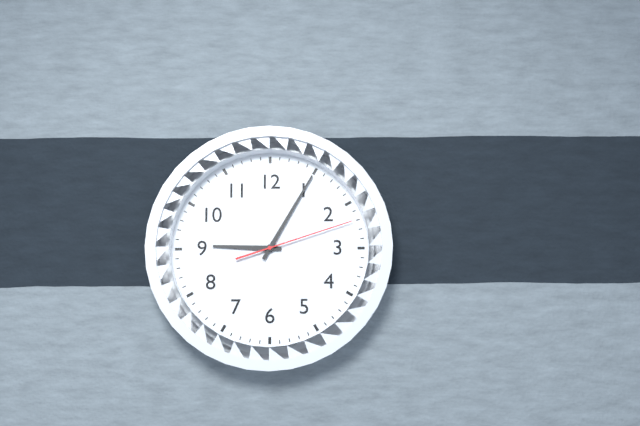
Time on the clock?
9:05:12
